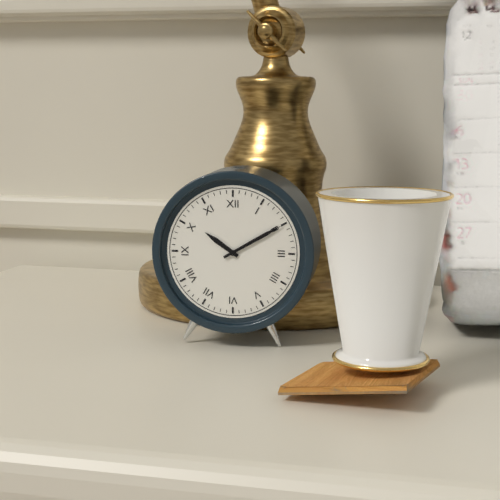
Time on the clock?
10:10
